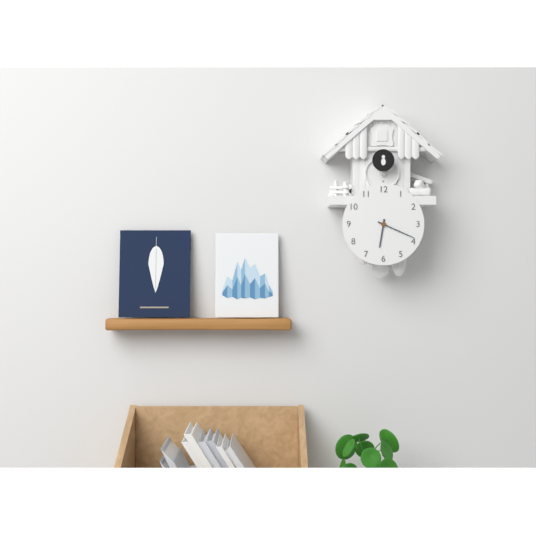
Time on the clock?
6:19
